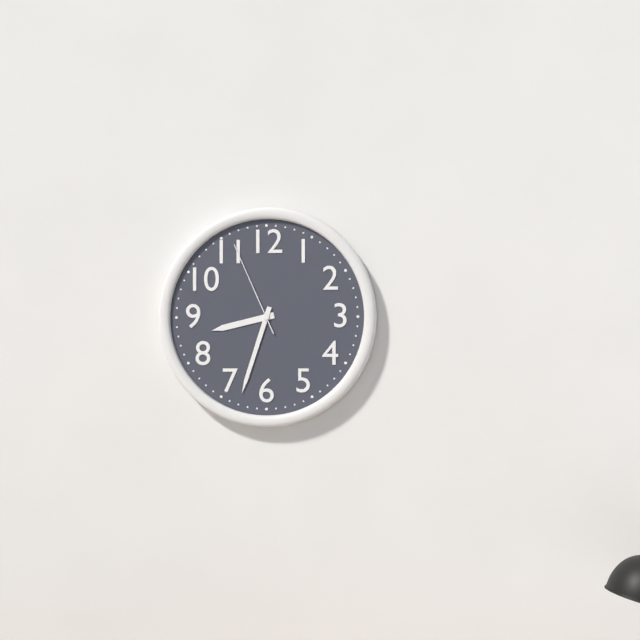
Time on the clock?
8:33:56
